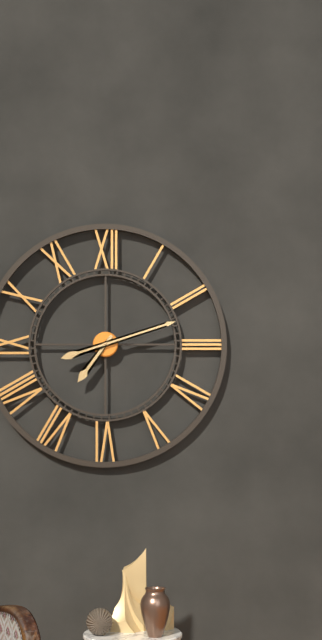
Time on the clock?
7:12
